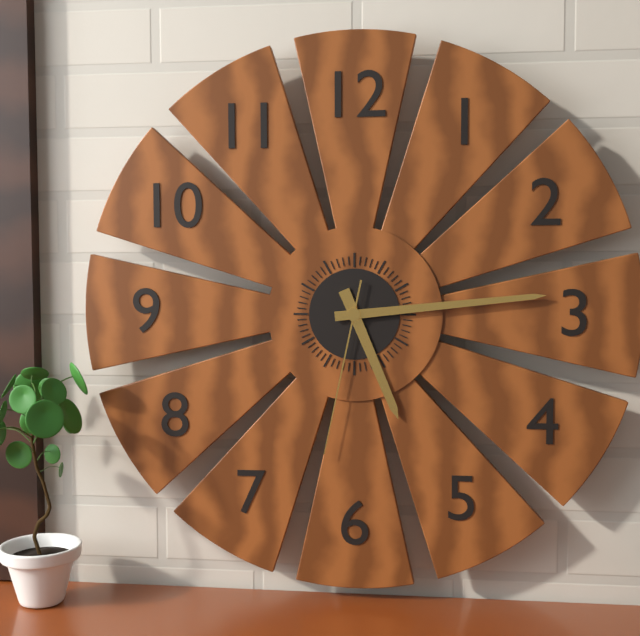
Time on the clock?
5:14:32
